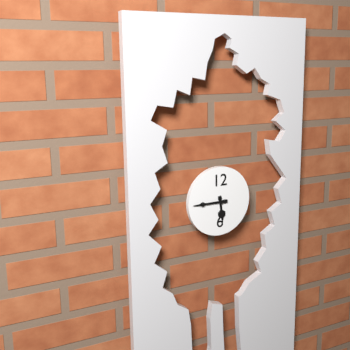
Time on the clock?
5:45
